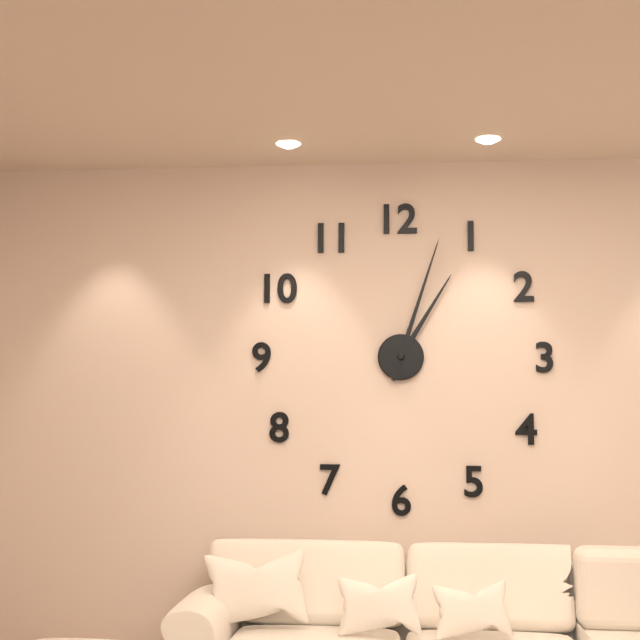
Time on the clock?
1:03
